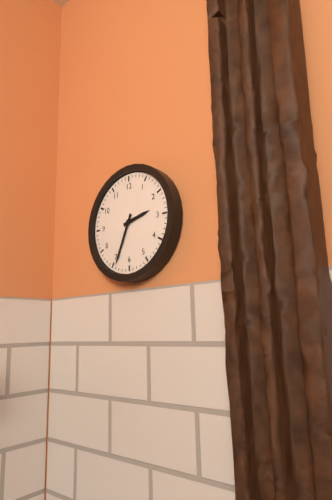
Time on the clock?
2:34
